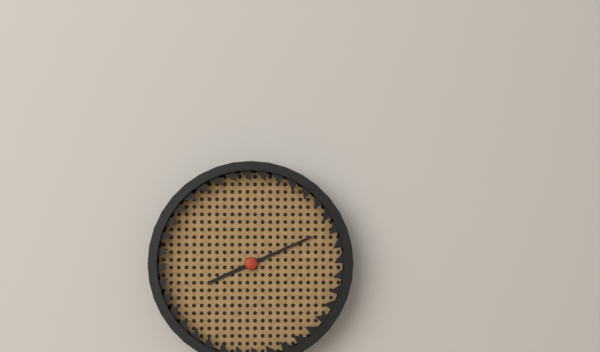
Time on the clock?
8:11
